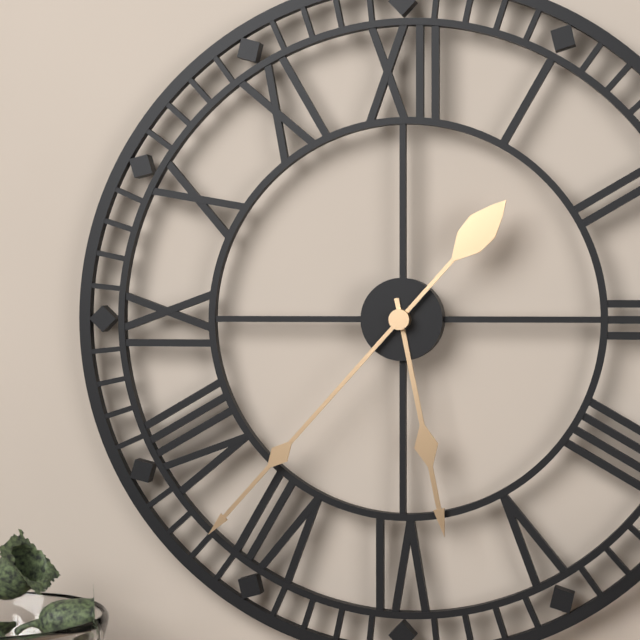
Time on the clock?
5:37
